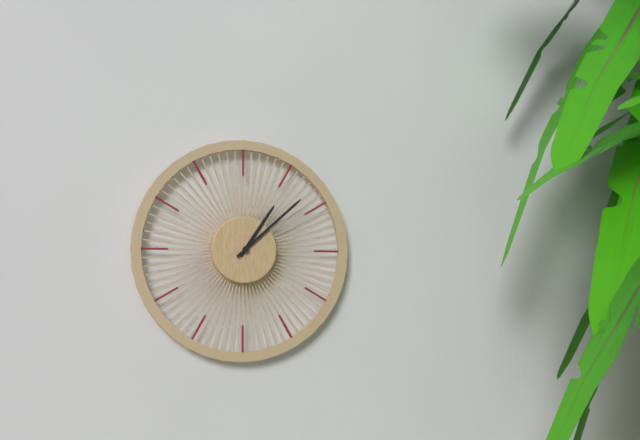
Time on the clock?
1:08
